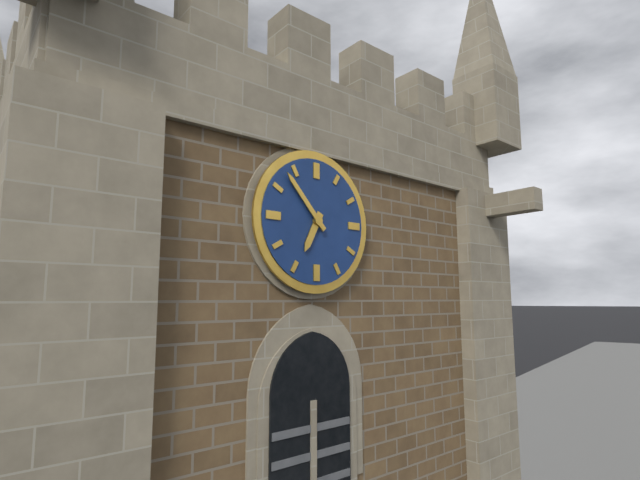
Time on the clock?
6:53
